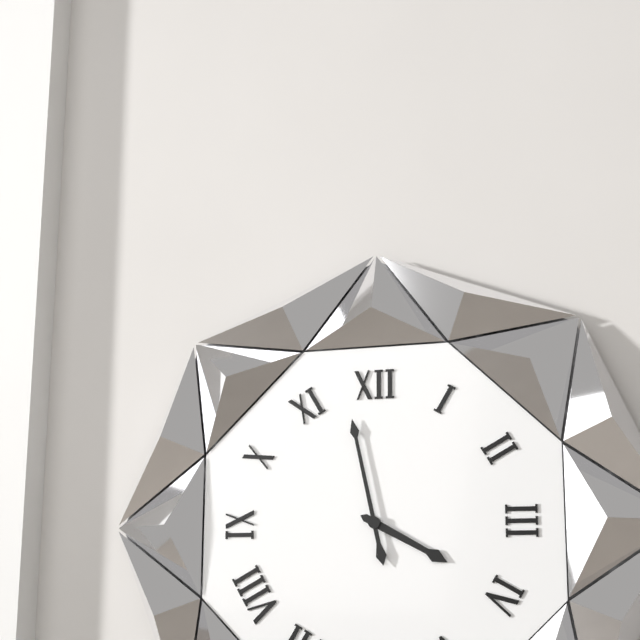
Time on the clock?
3:58
